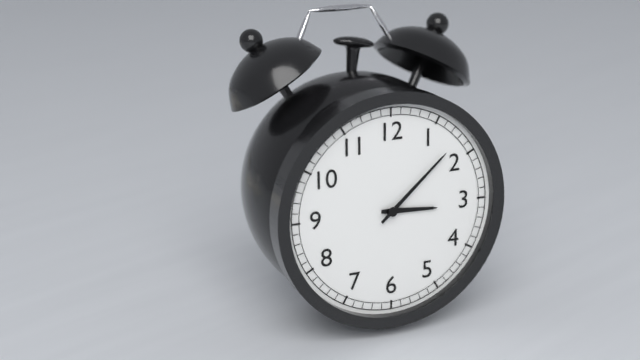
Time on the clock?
3:08
